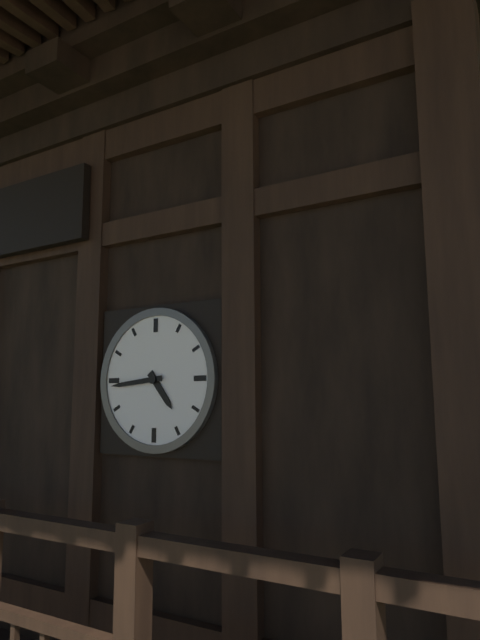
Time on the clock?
4:44
